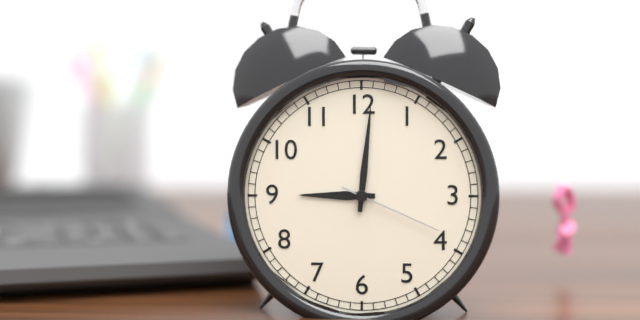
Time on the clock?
9:01:19
